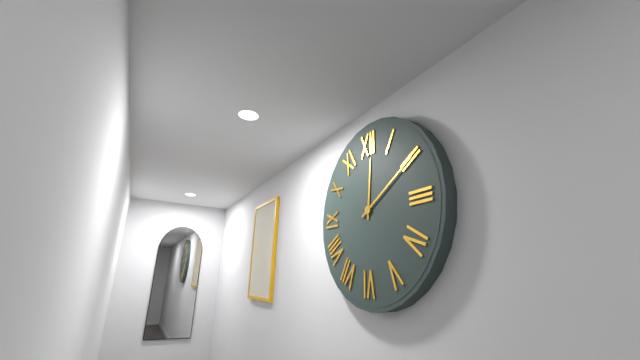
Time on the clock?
12:10
